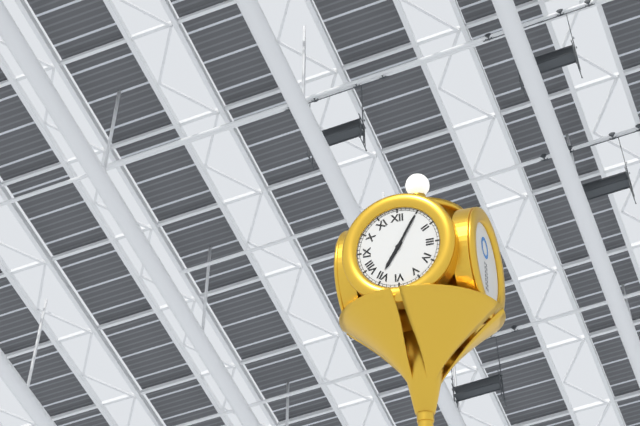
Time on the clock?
7:05
